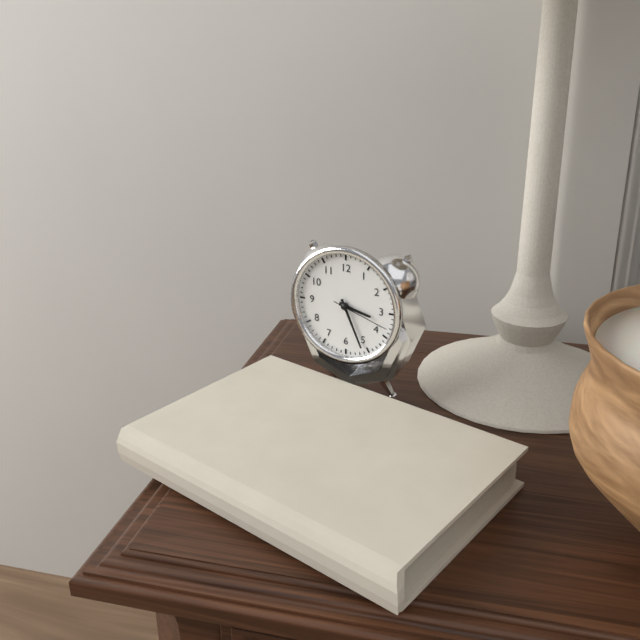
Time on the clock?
3:26:18
